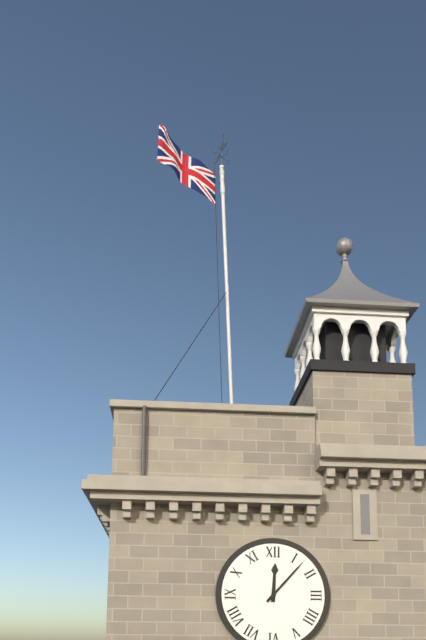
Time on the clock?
12:07
